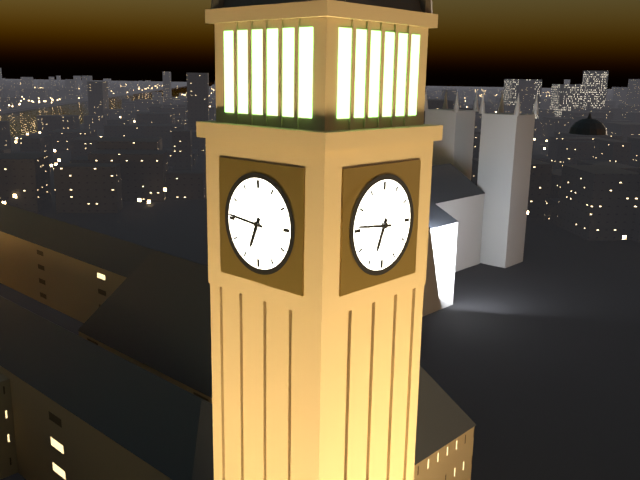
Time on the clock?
6:46
